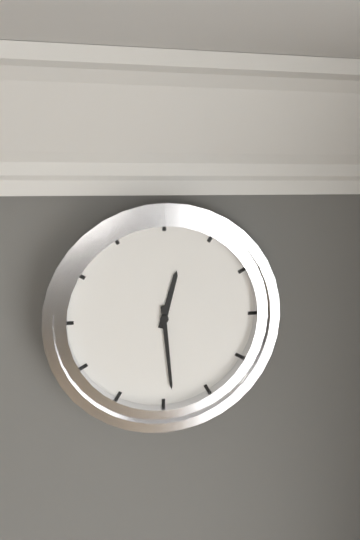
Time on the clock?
12:29
